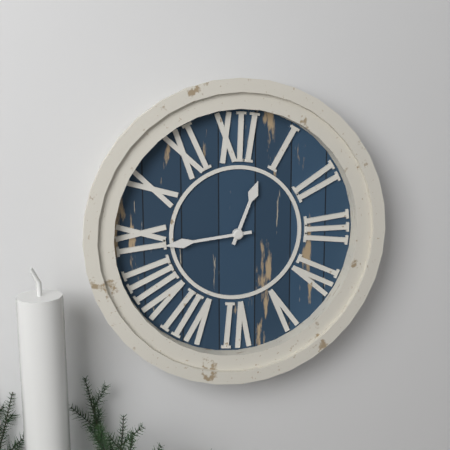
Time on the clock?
12:44
